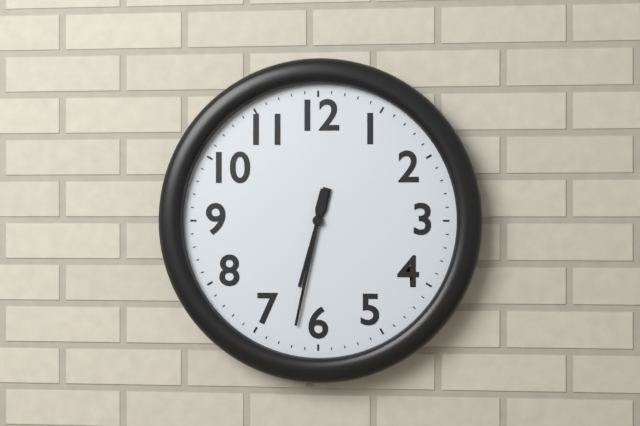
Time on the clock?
6:32
